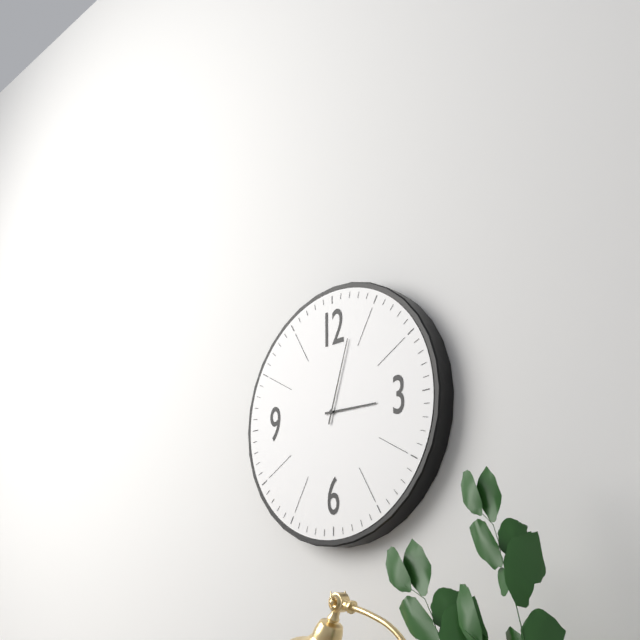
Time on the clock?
3:03
